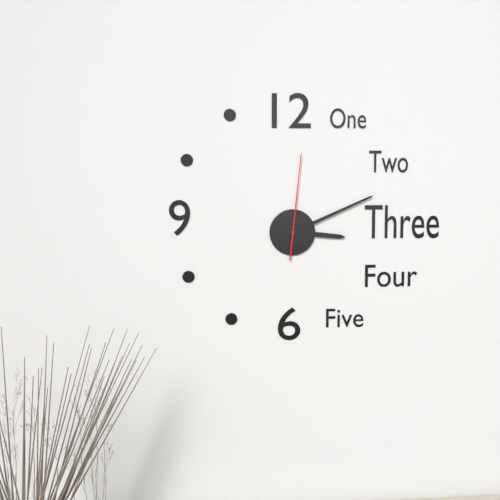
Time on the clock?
3:11:01
